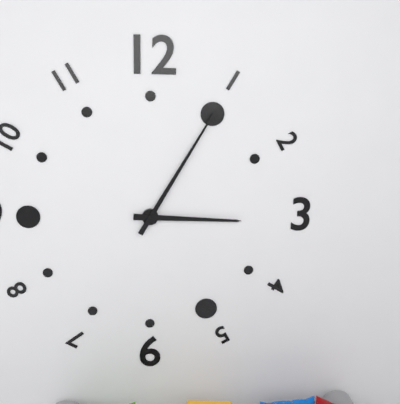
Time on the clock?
3:05
